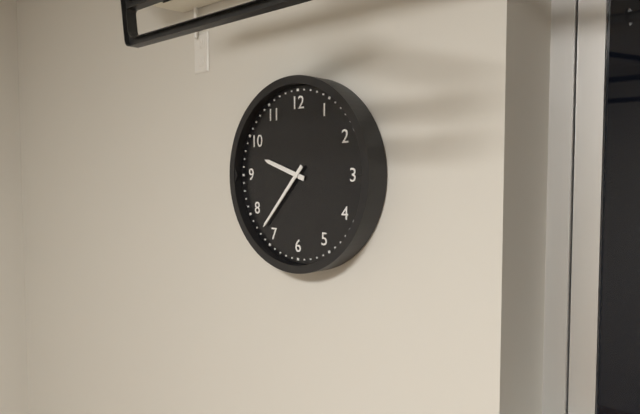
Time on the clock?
9:37
